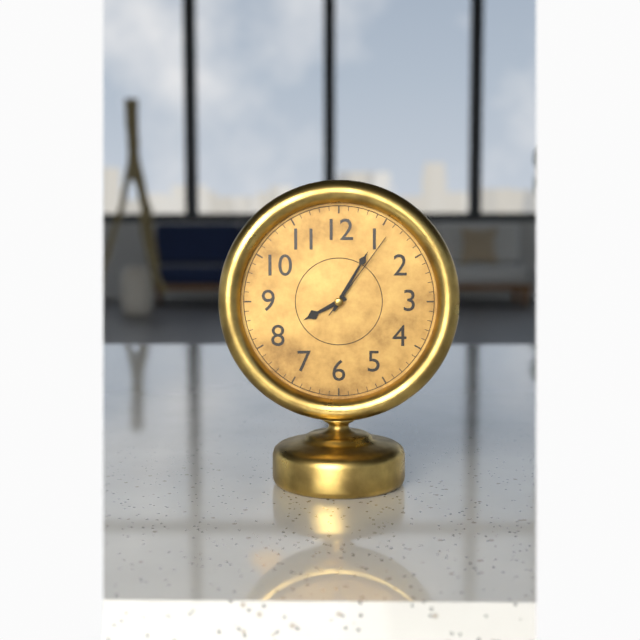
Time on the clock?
8:05:06
